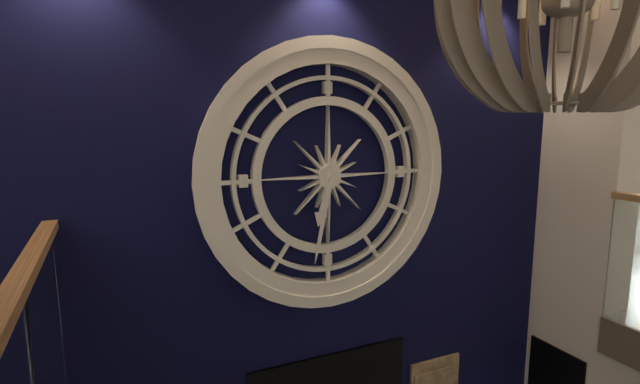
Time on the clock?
6:32
